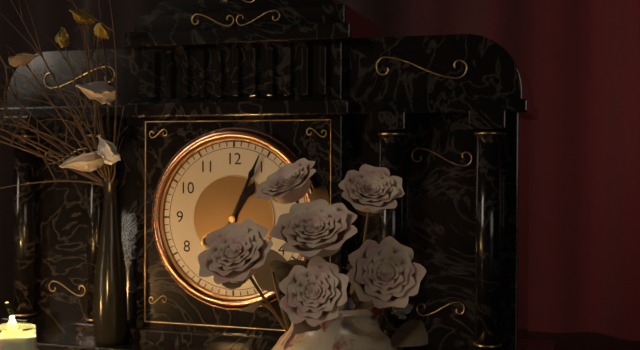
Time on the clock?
1:04
